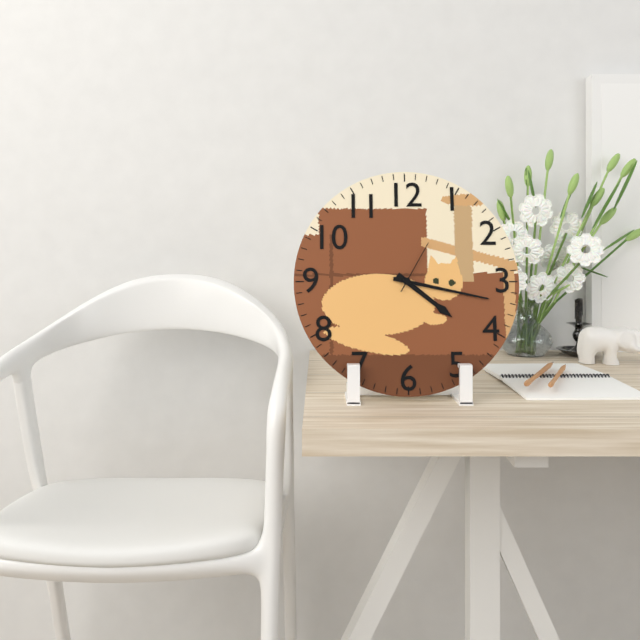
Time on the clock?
4:17:05
